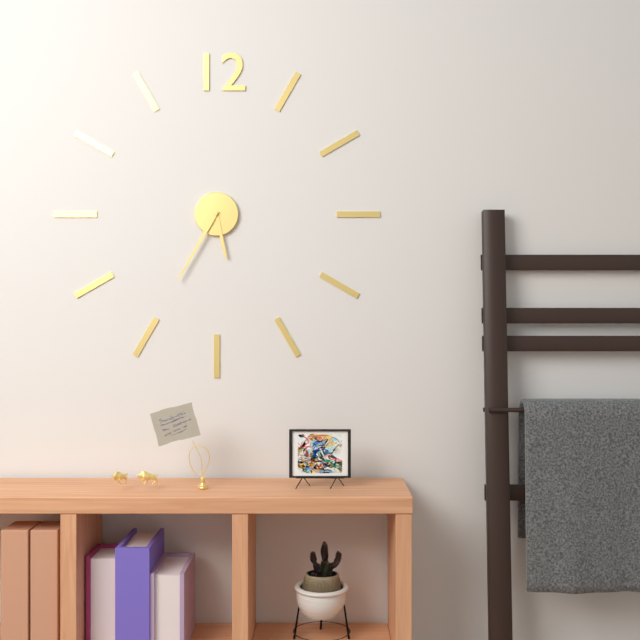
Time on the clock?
5:35
